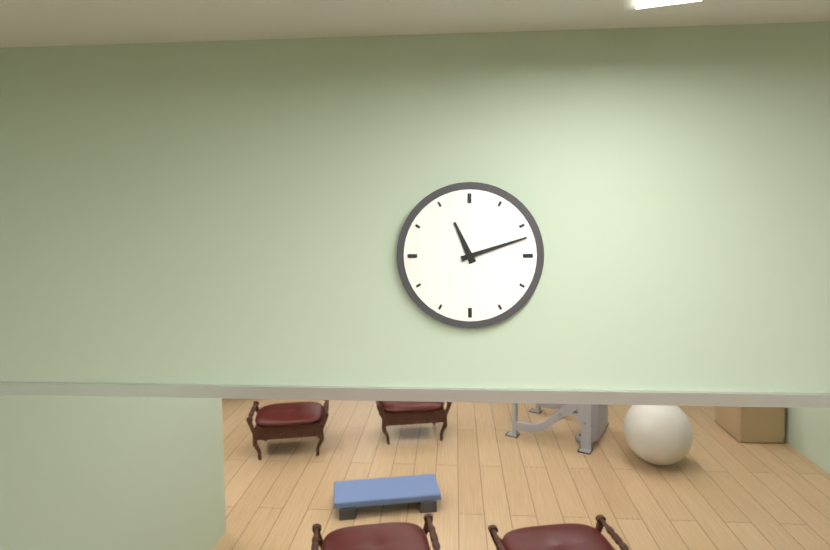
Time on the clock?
11:12
